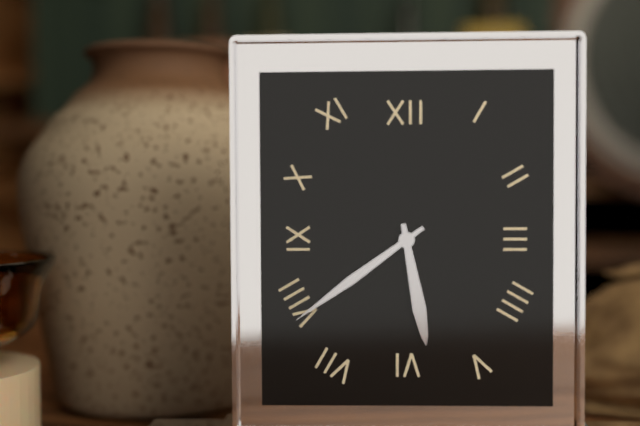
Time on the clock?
5:39
